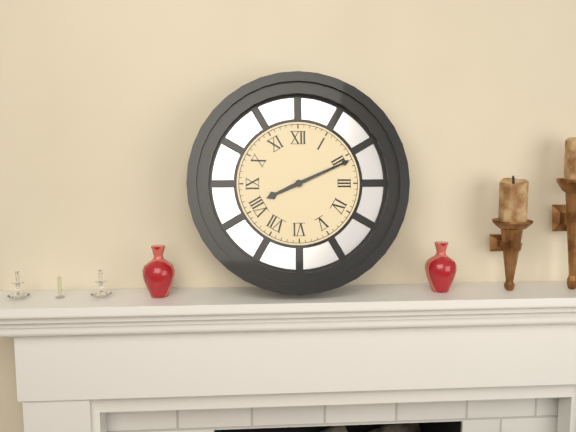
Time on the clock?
8:11
